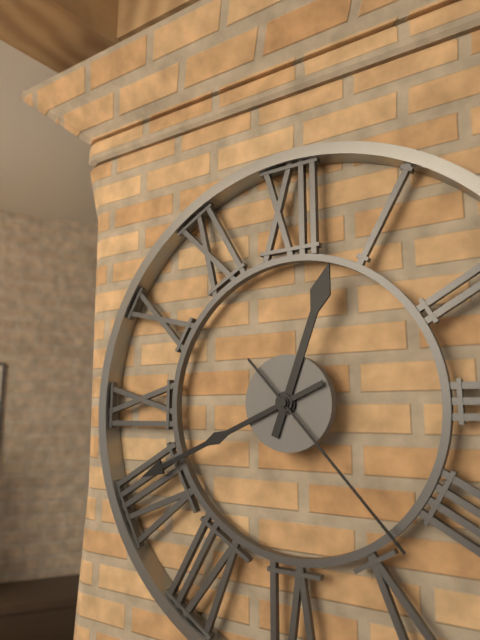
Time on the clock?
12:41:23
